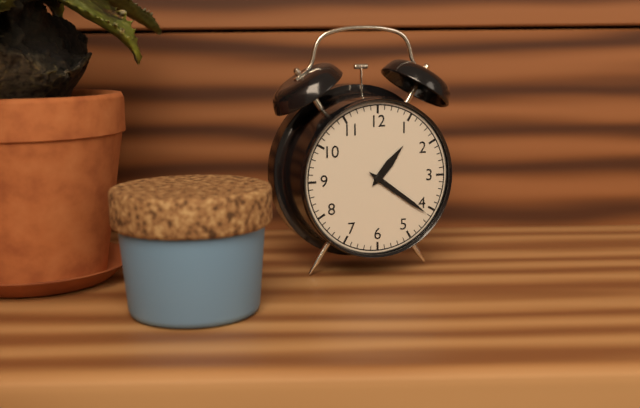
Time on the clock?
1:21
